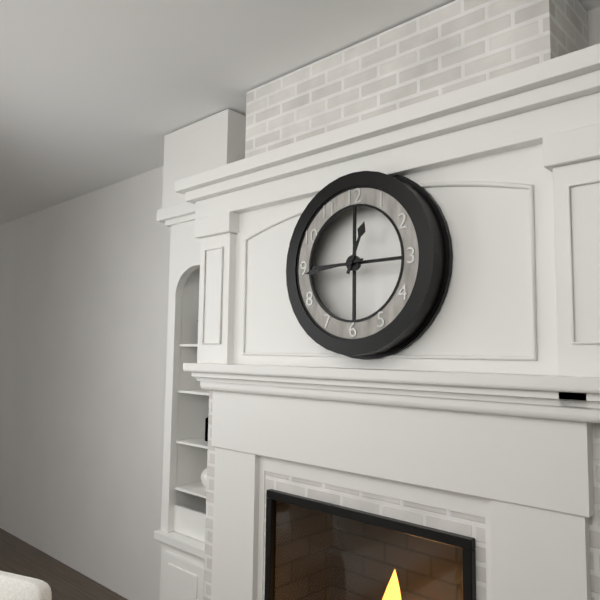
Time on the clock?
12:44
